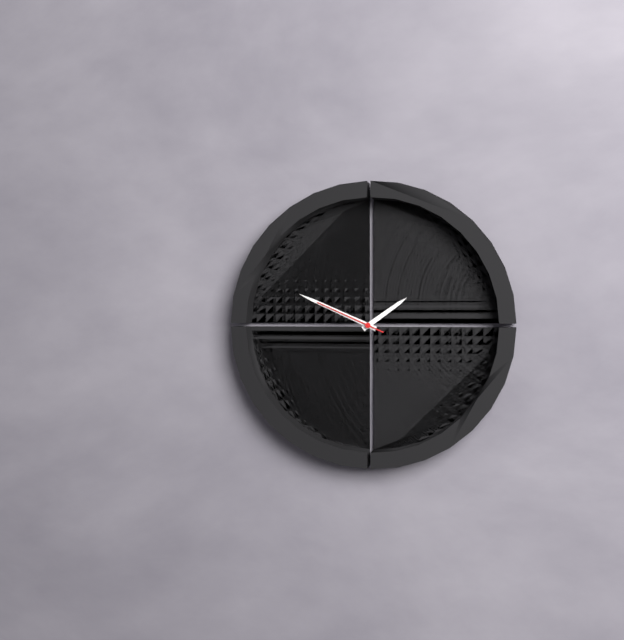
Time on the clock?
1:49:49
